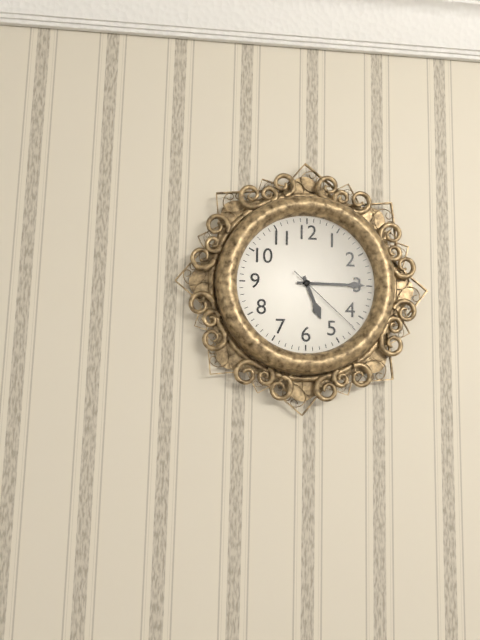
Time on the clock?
5:15:22
